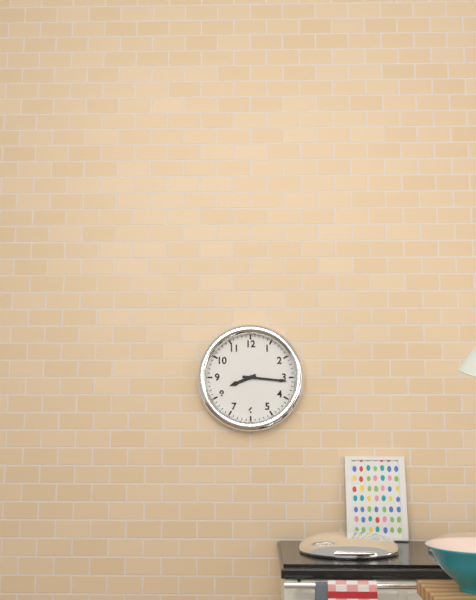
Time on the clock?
8:16
